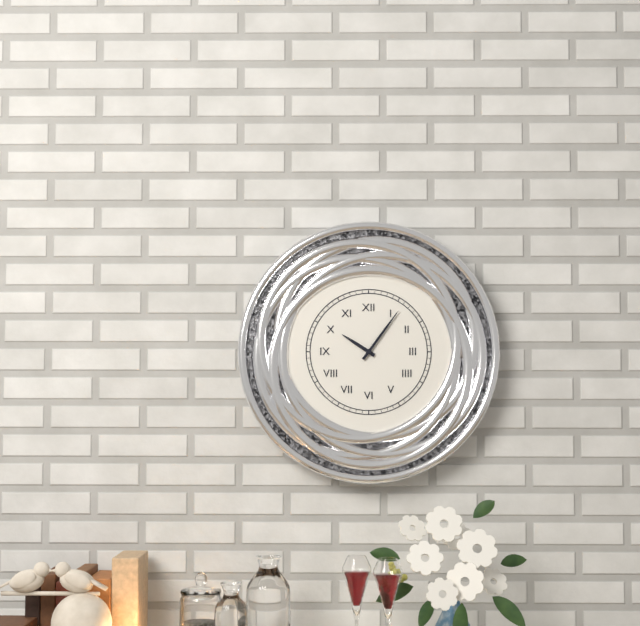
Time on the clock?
10:06
